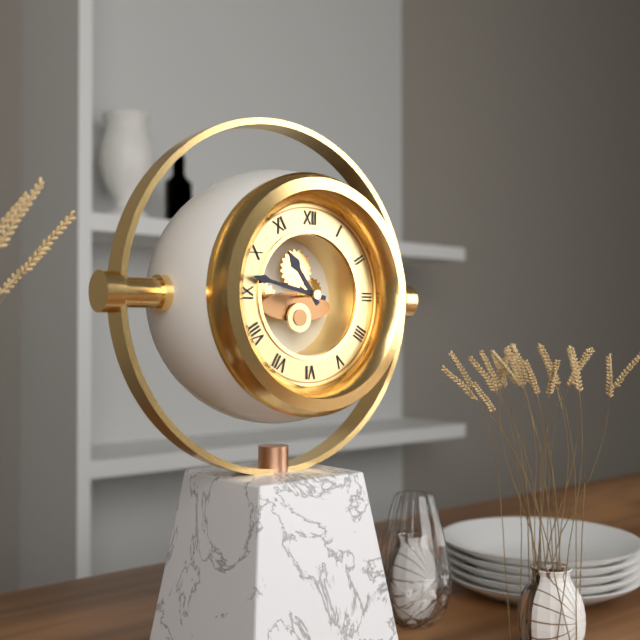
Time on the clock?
10:47
